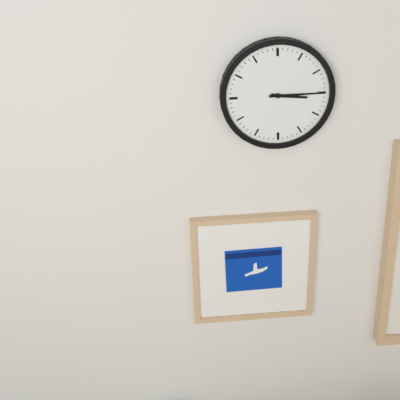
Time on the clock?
3:15
